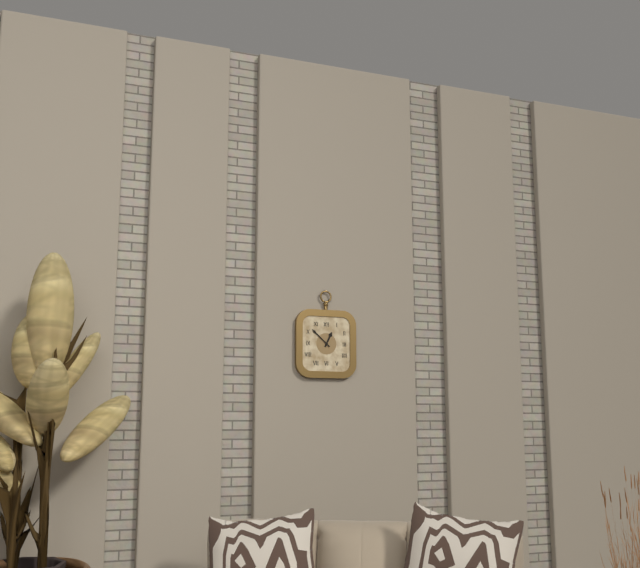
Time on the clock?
12:52
